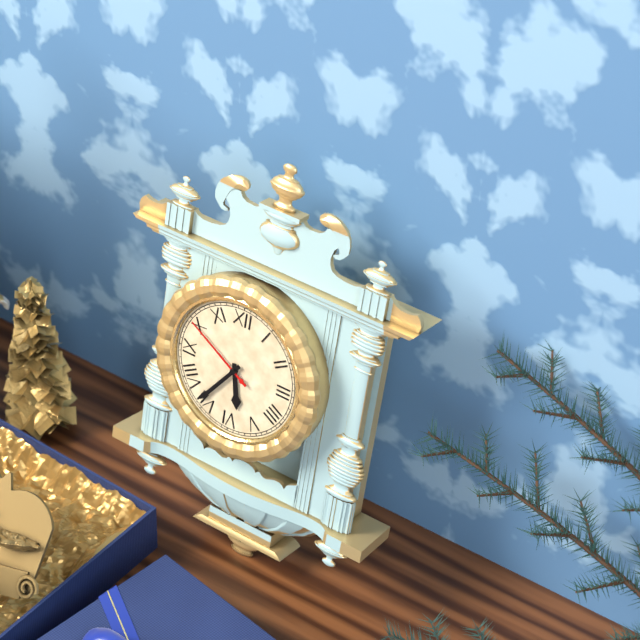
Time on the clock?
5:36:50
